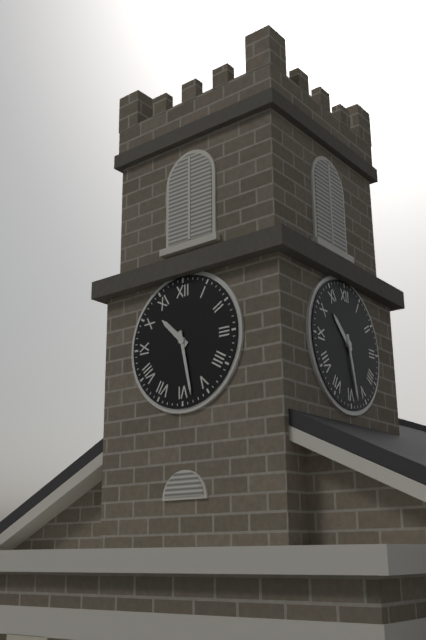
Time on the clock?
10:28
